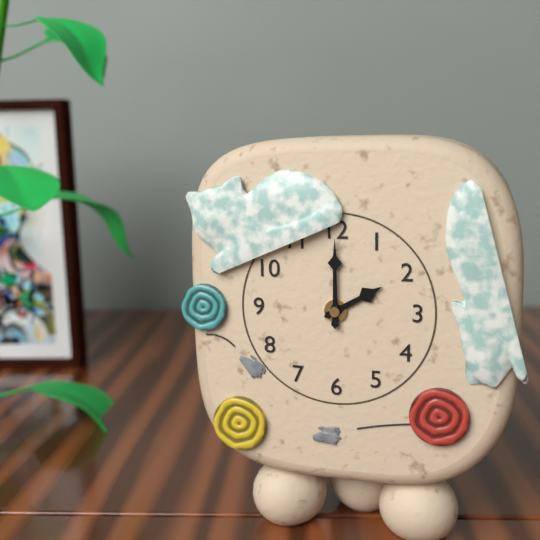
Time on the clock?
2:00
